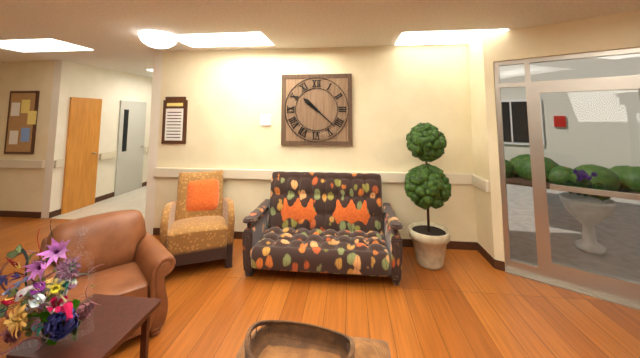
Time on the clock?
10:22
